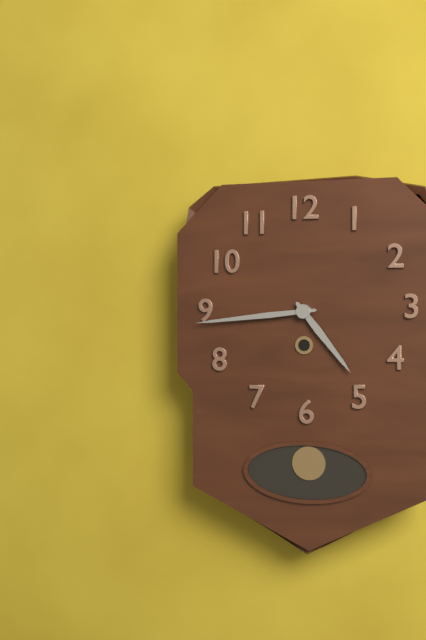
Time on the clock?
4:44
